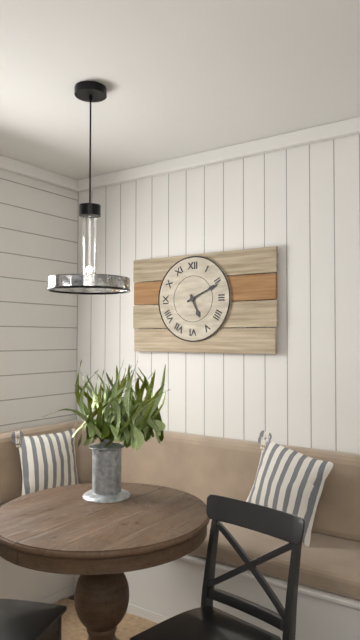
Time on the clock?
5:11
